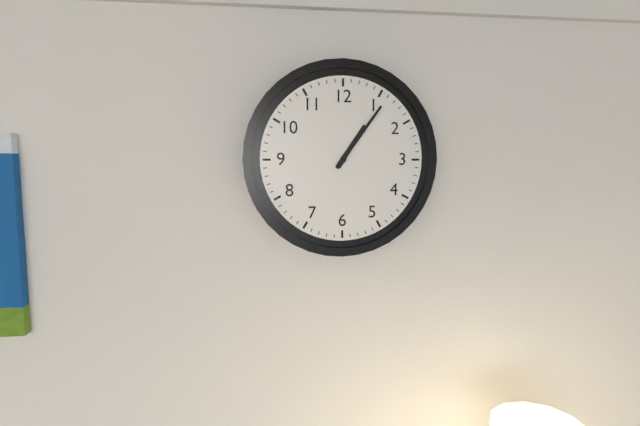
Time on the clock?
1:06
